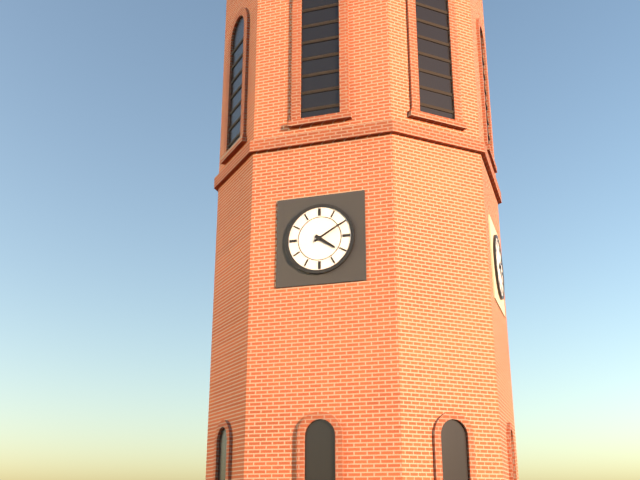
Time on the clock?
4:10
